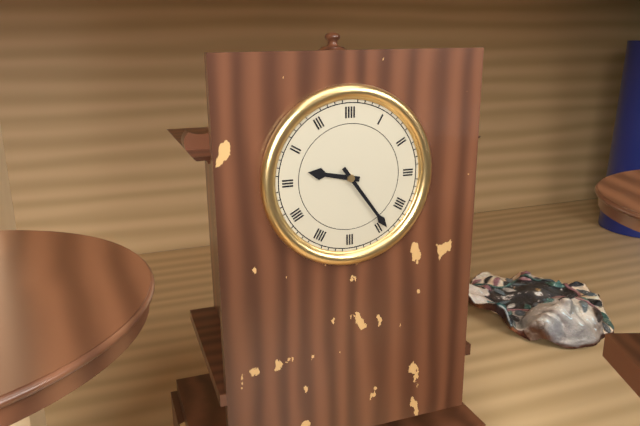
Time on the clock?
9:24
